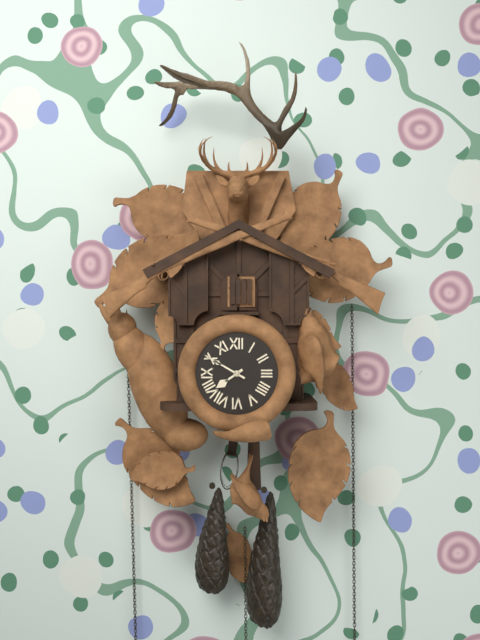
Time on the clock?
7:50
